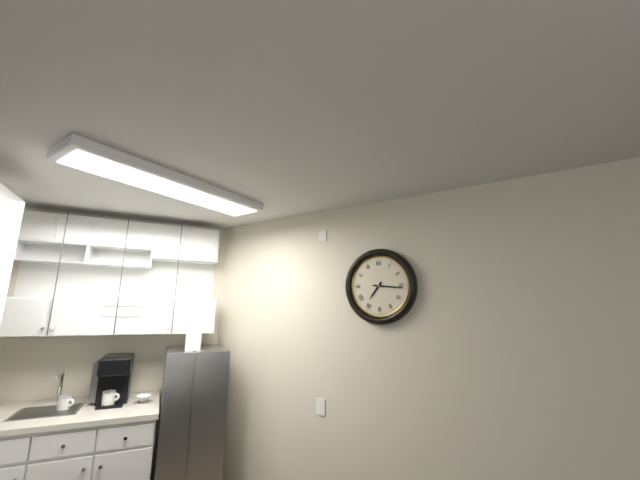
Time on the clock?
7:16
